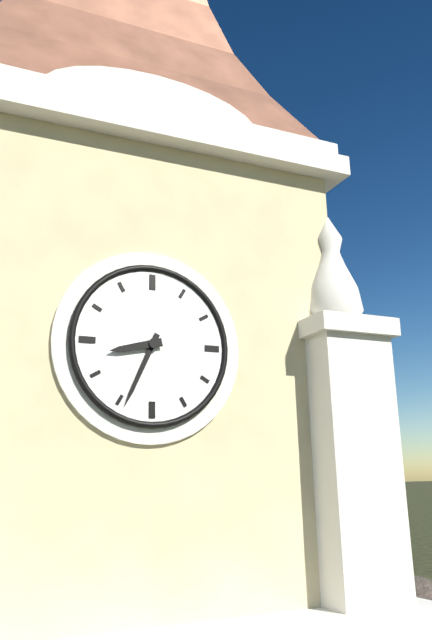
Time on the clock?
8:34
